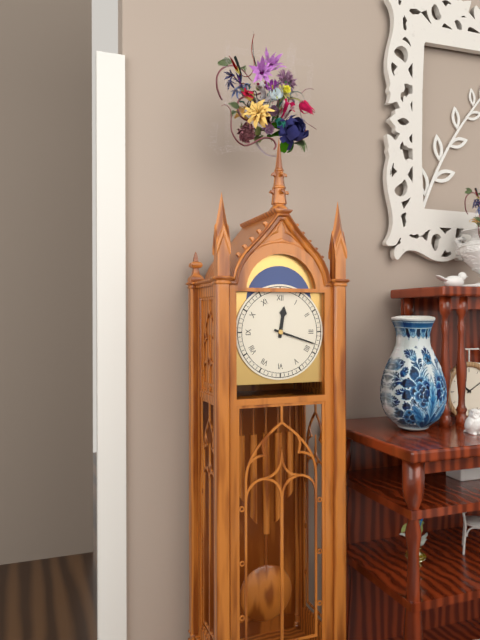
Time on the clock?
12:18
